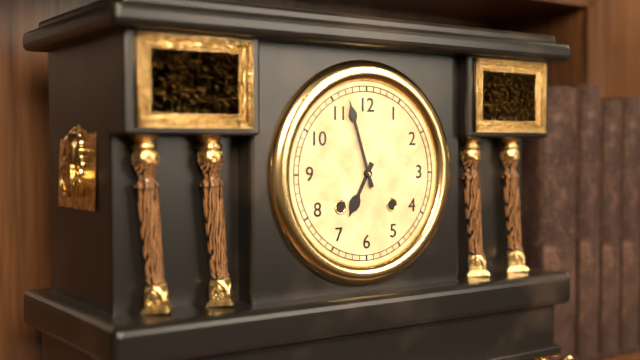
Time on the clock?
6:57
